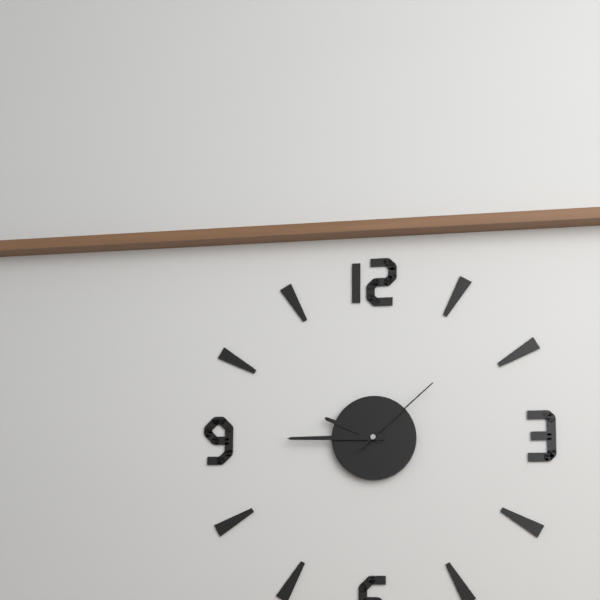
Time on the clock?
9:45:08
